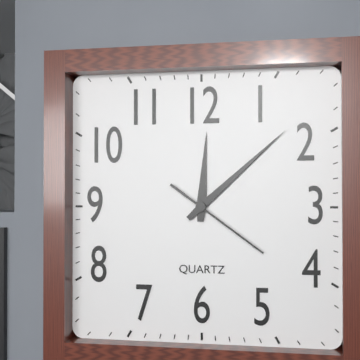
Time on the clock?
12:08:21
